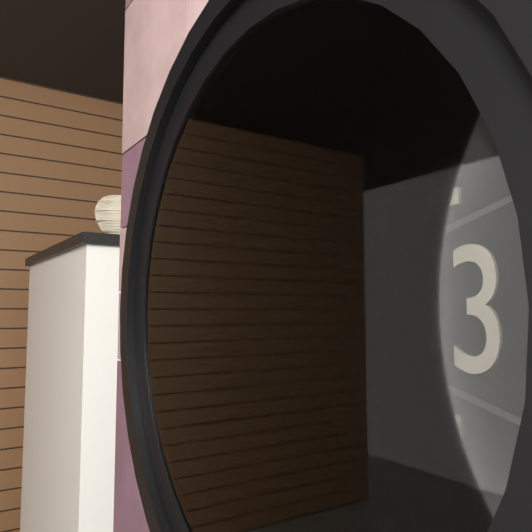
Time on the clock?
12:52
